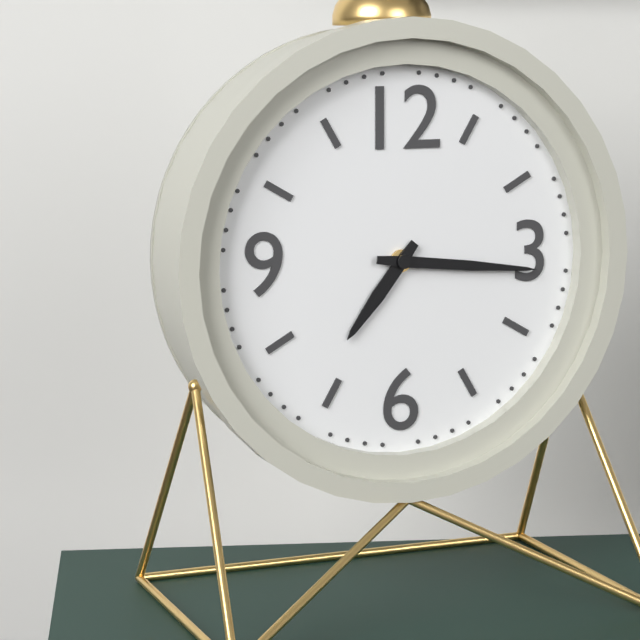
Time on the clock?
7:16
